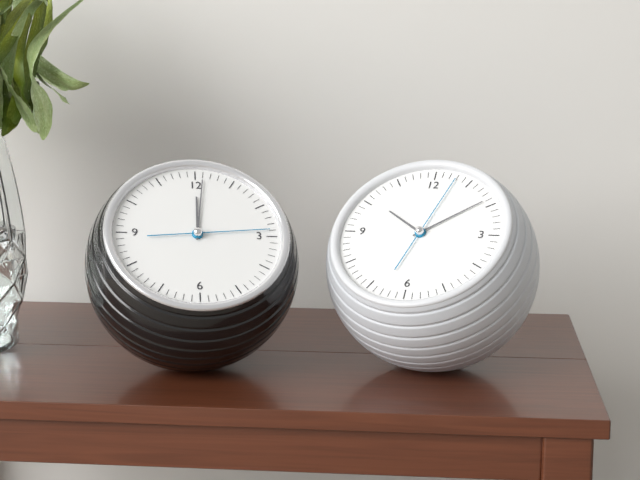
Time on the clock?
12:01:14
